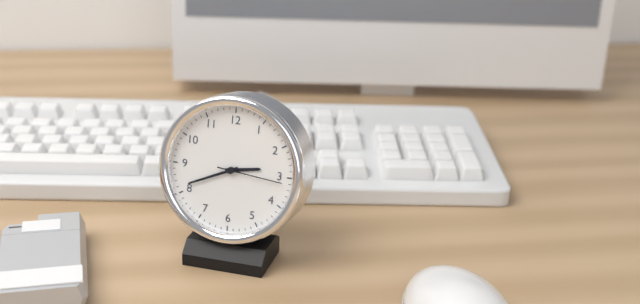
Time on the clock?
2:41:16
